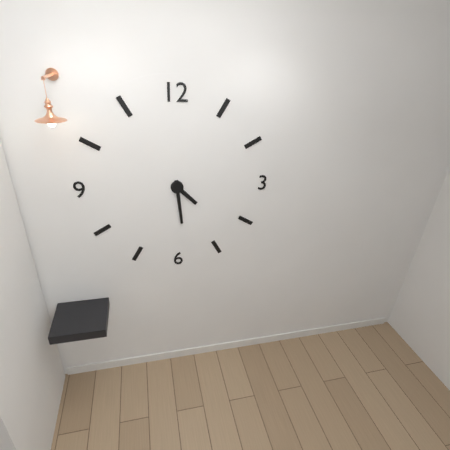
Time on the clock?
4:29
